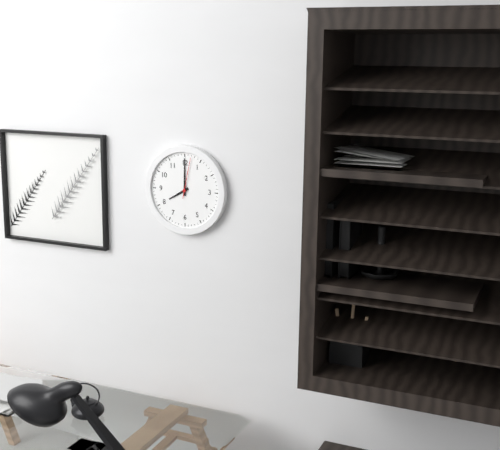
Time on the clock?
8:00
